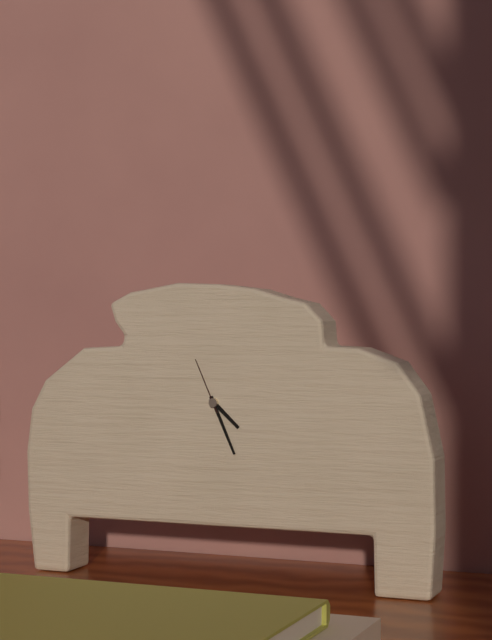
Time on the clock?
4:26:56
